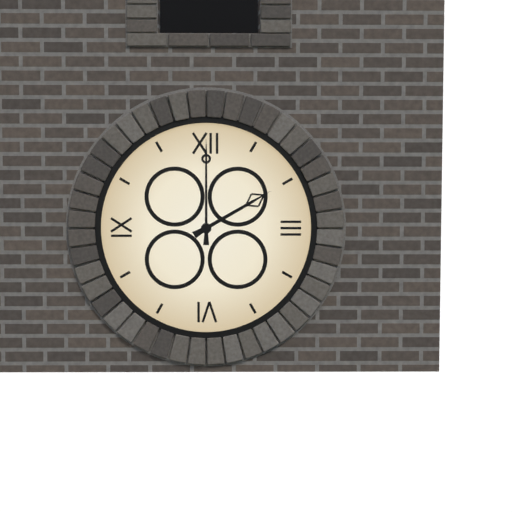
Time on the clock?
2:00
